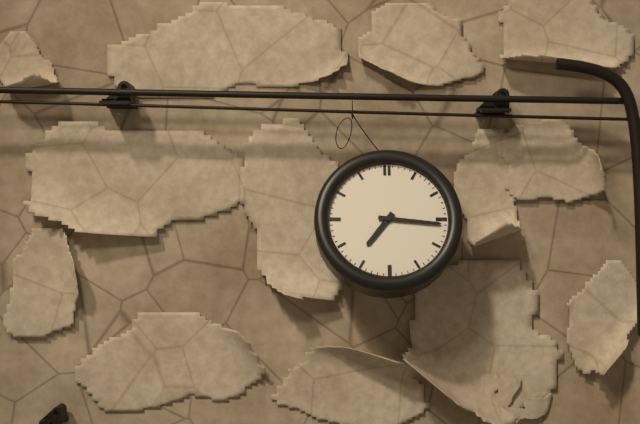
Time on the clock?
7:16
